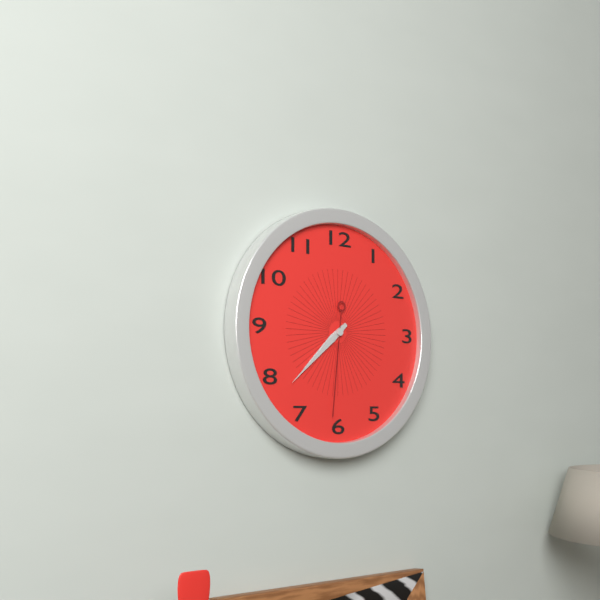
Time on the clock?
7:38:31
